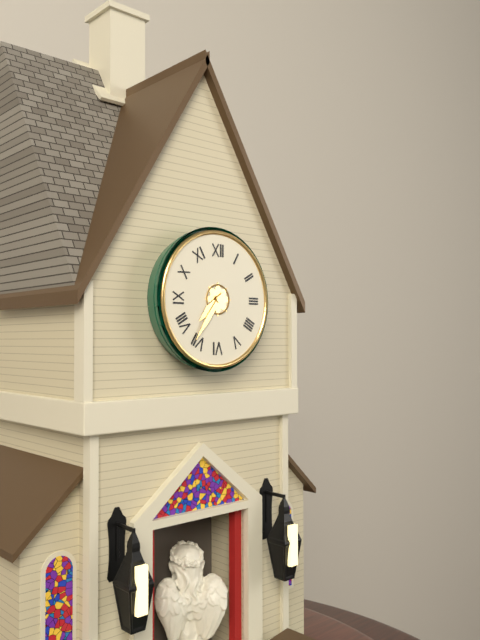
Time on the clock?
7:36
